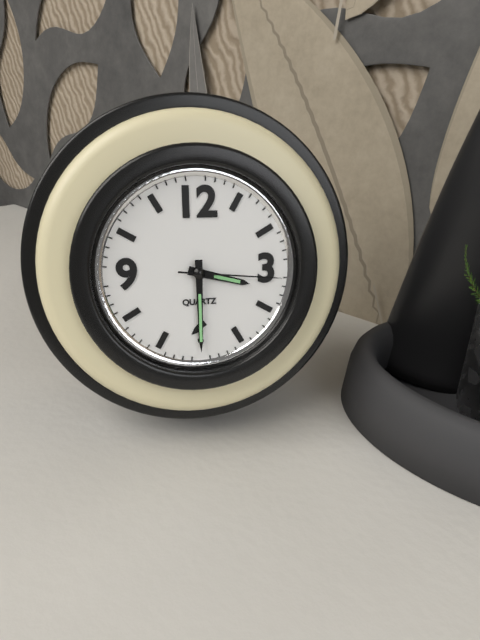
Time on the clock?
3:30:16
